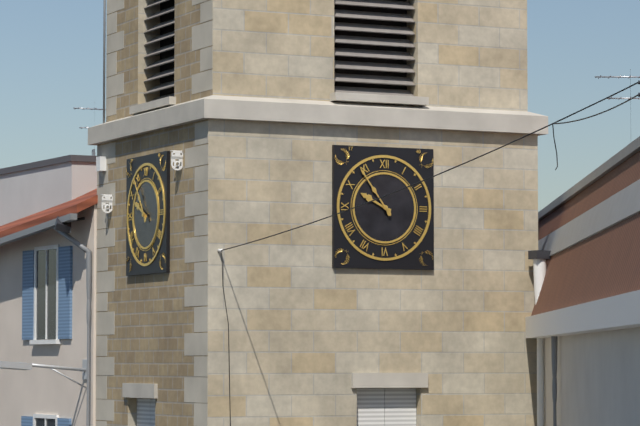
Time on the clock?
9:54
